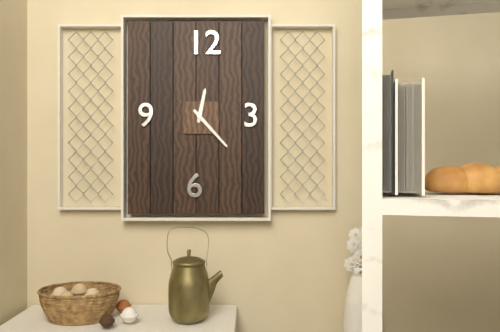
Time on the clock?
12:23
